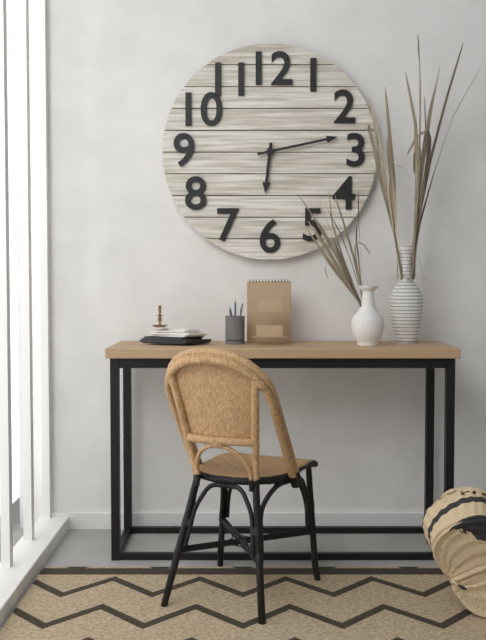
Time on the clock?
6:13
